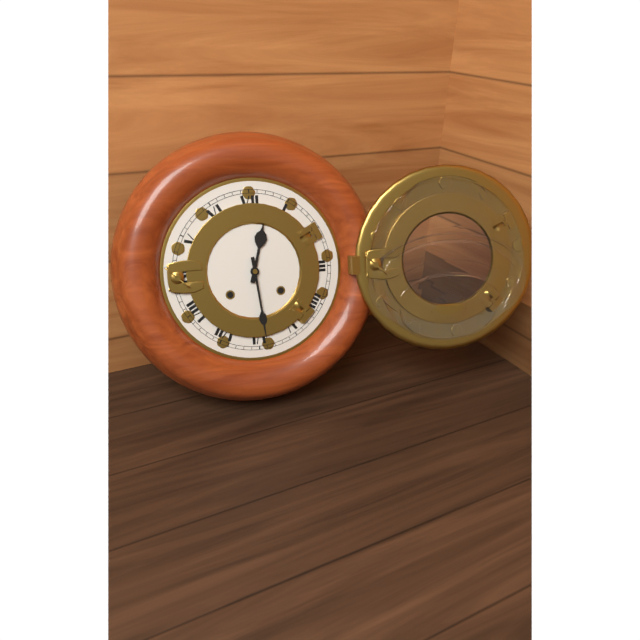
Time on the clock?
12:29
